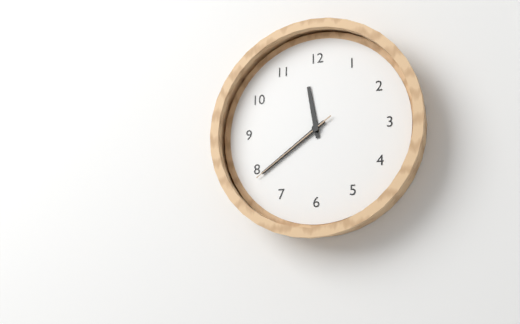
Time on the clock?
11:39:39
